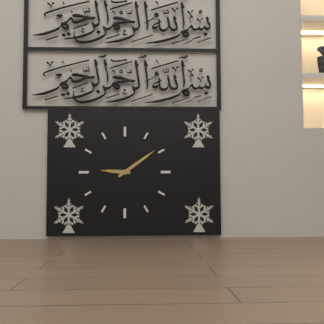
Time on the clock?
9:09
